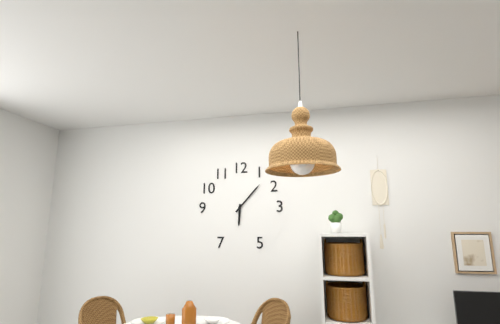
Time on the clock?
6:07
